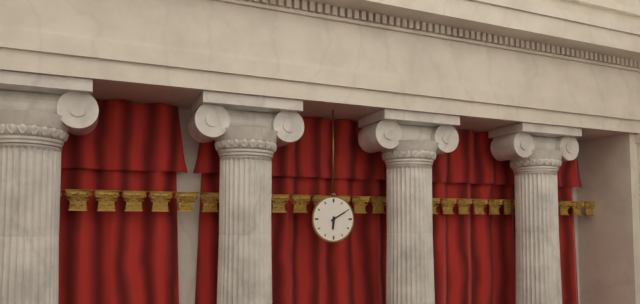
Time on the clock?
6:10
